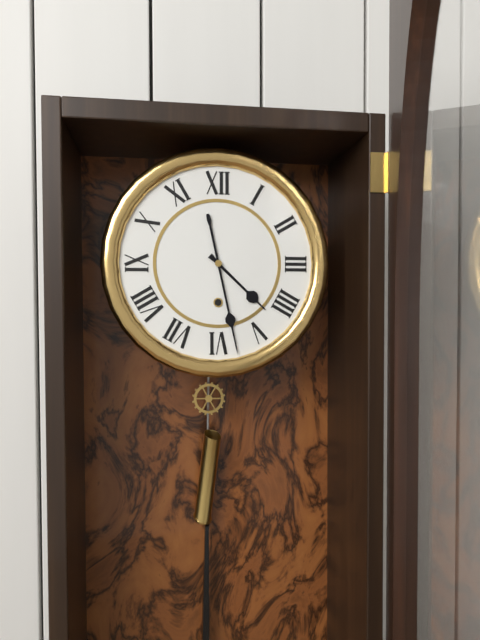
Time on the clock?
4:28
